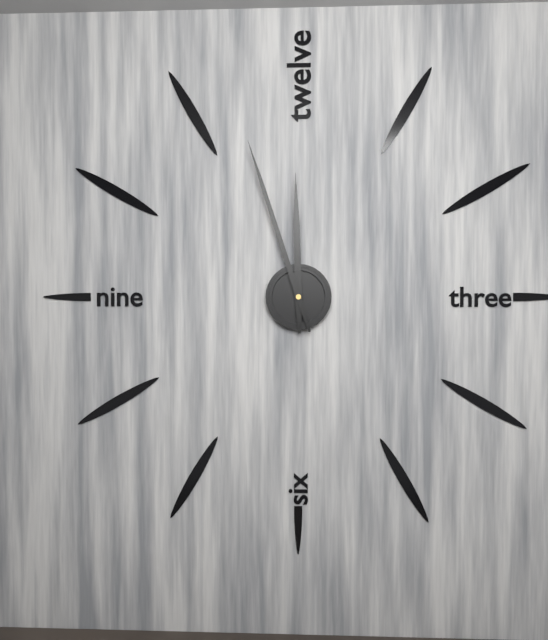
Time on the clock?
11:57
